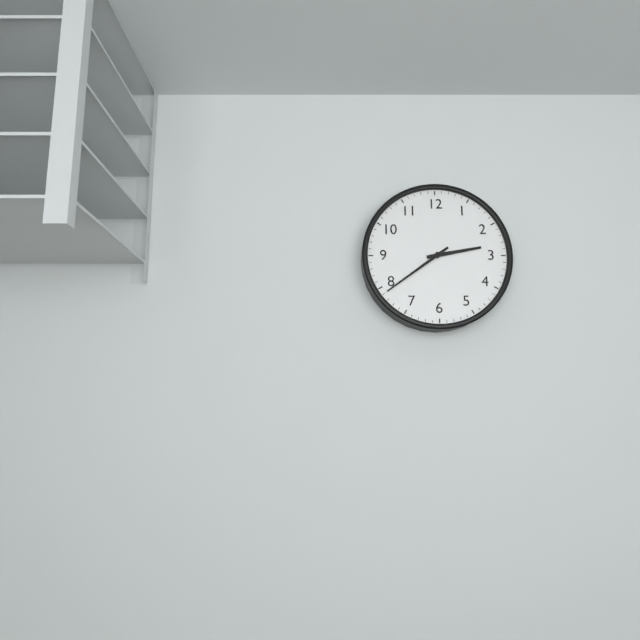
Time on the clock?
2:39
